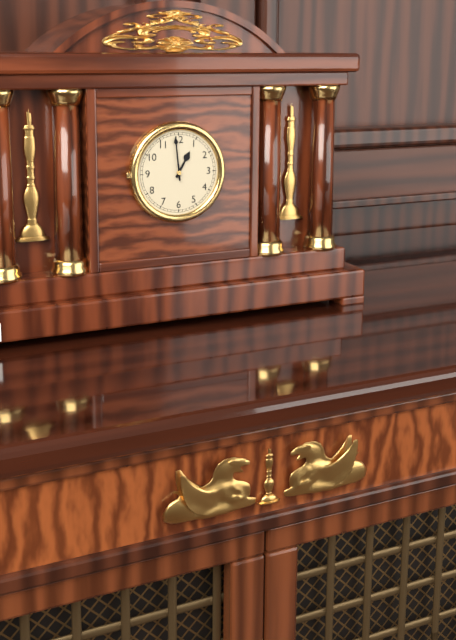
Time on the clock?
12:59
